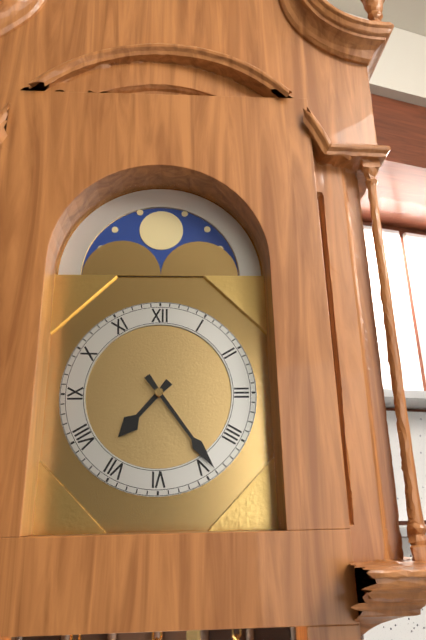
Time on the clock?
7:24
